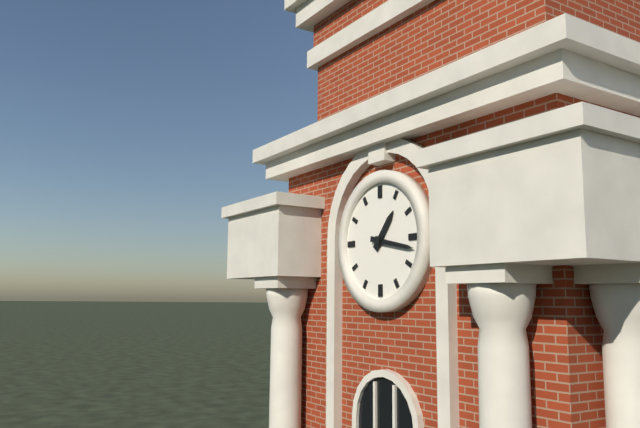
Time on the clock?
1:17
